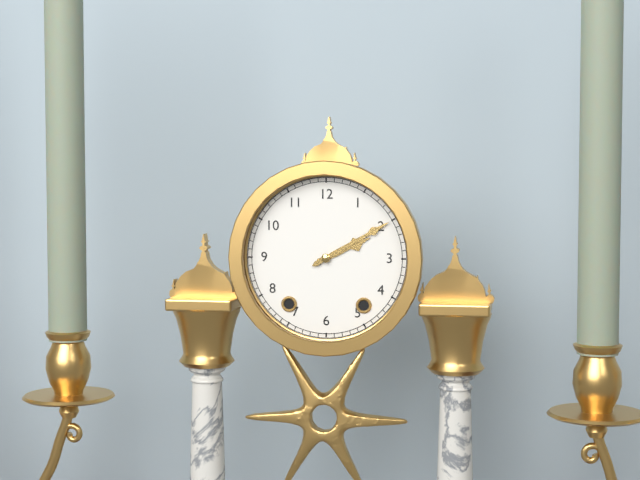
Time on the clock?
2:10
